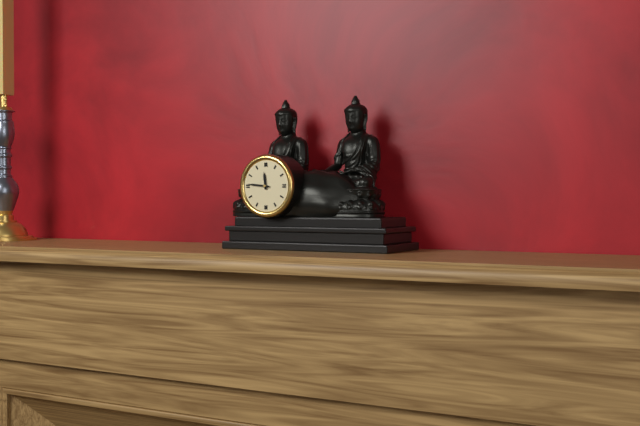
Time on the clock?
11:46
